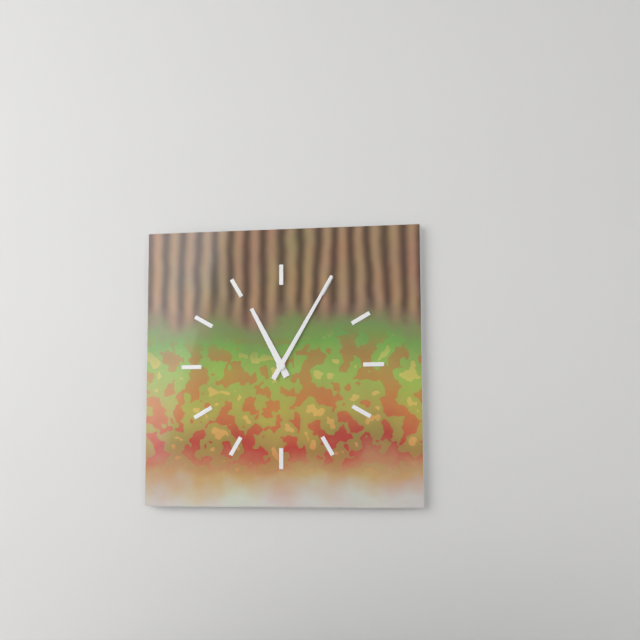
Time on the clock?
11:05
